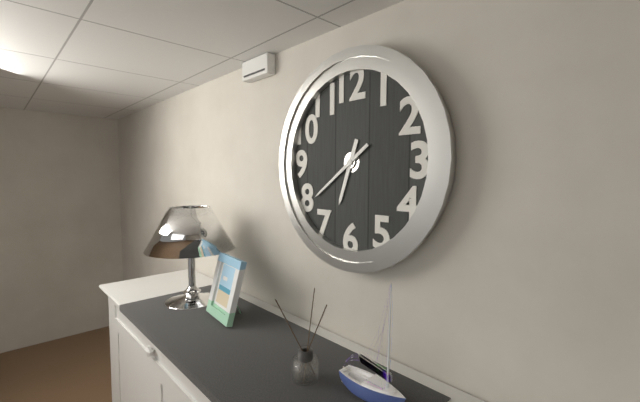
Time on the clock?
6:39
